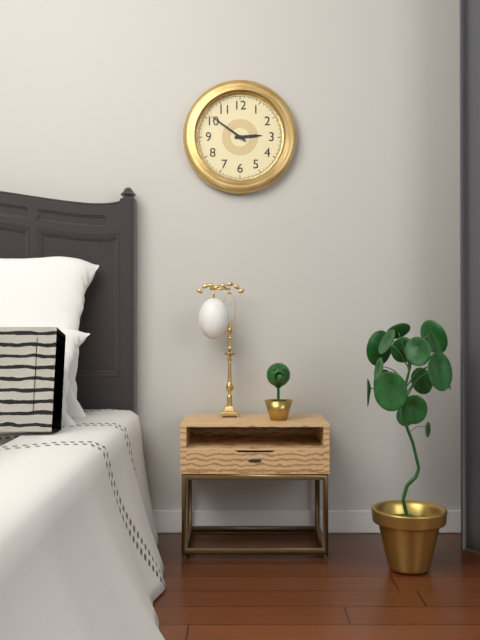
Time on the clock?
2:51
